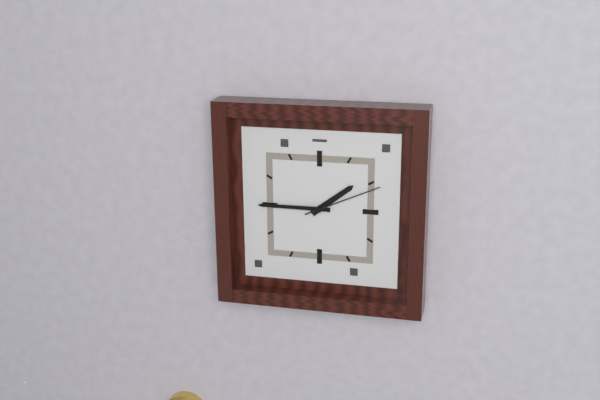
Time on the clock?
1:45:11
